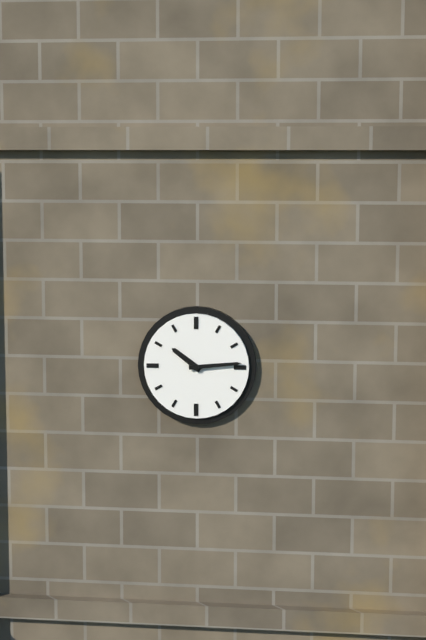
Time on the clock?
10:14
